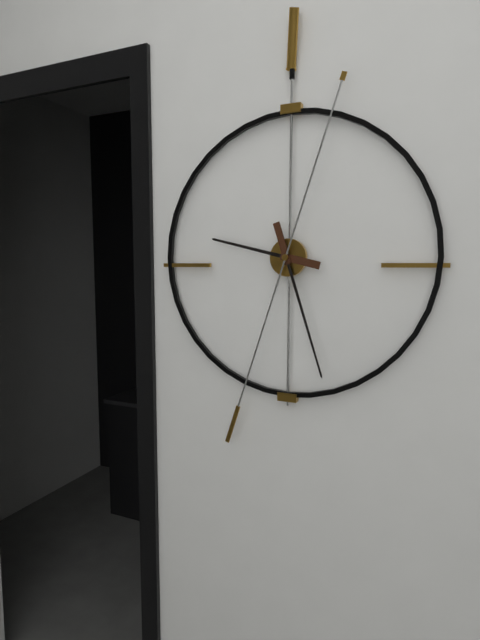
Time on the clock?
9:27:33
